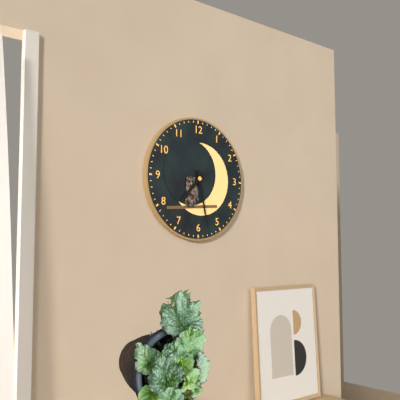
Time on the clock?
7:28
